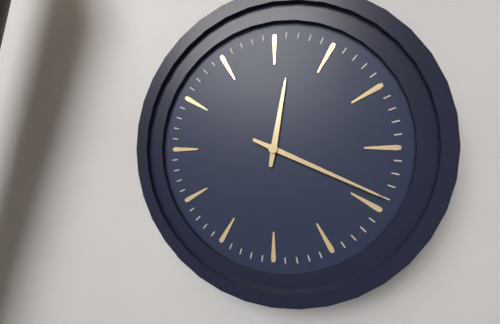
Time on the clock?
12:19
